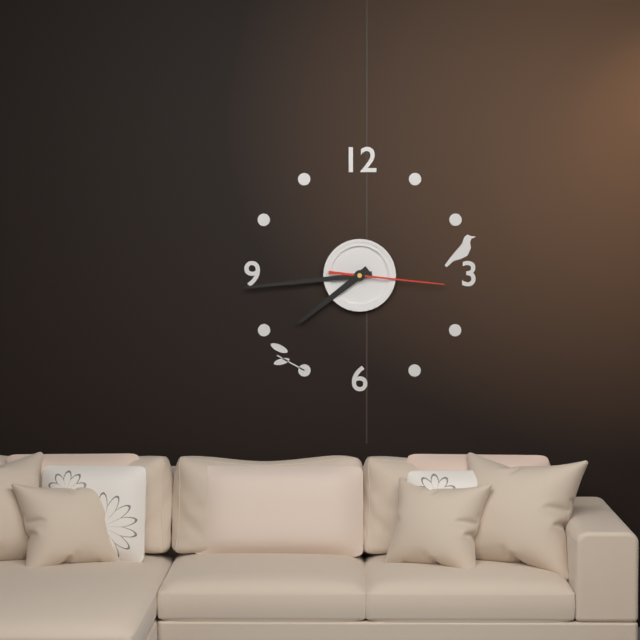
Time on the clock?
7:44:16
